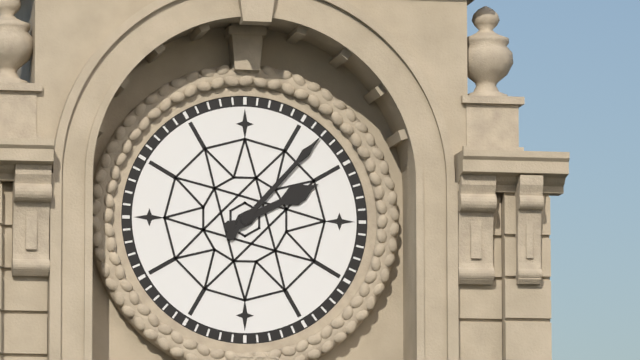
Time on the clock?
2:07
